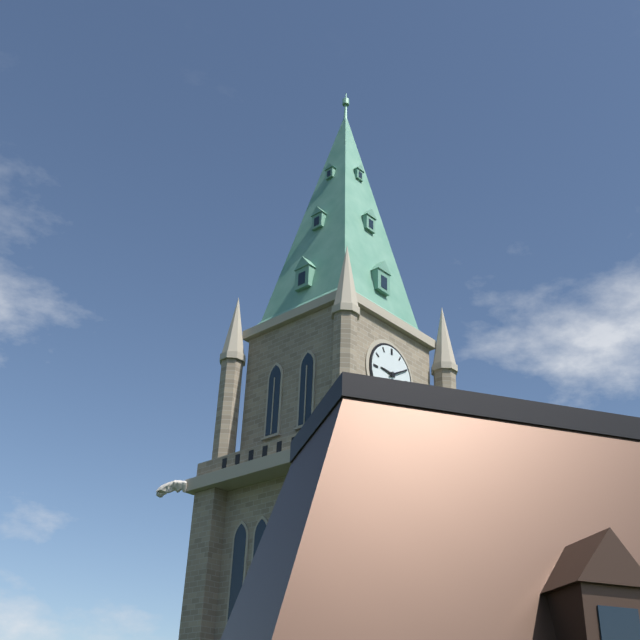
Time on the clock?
9:10
